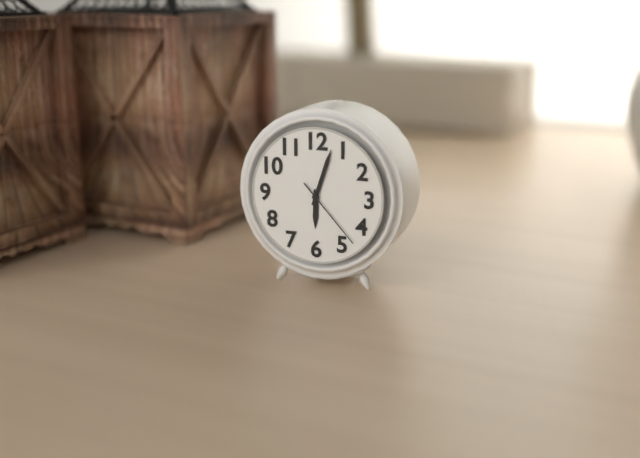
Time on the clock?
6:03:23
